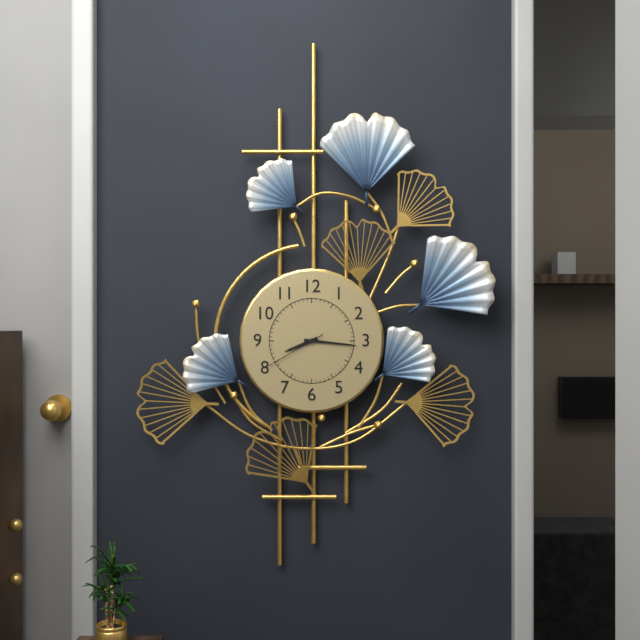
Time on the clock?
8:16:40
